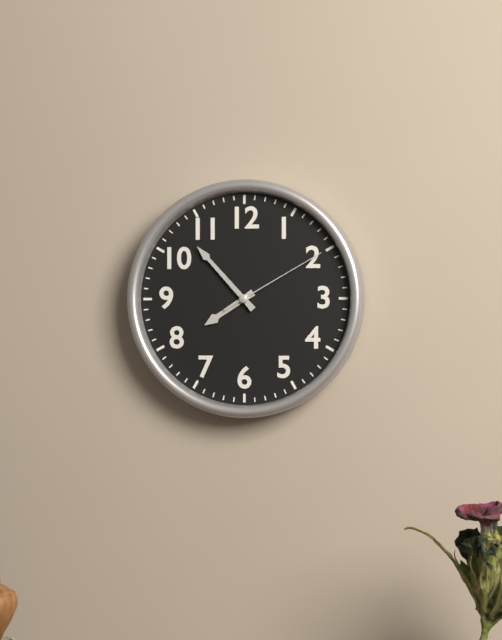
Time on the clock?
7:53:10
